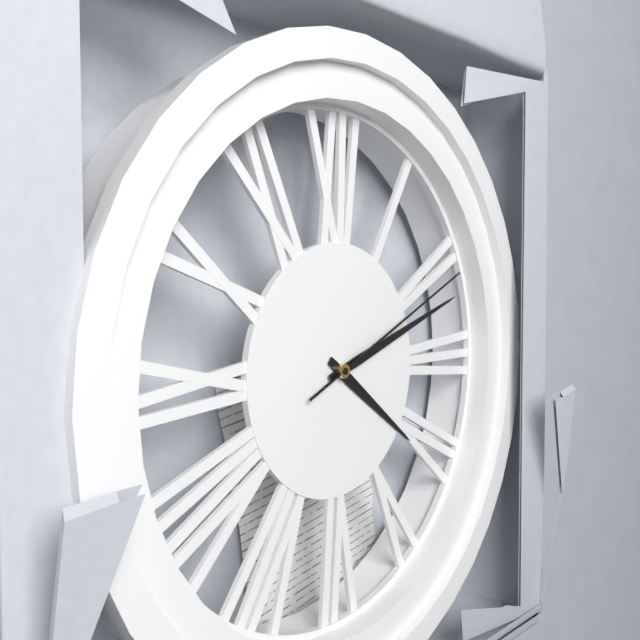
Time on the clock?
4:12:11
